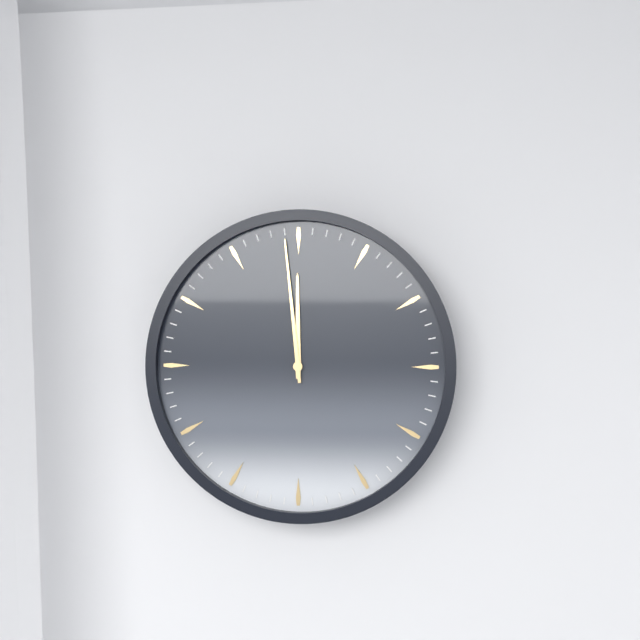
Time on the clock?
11:59
